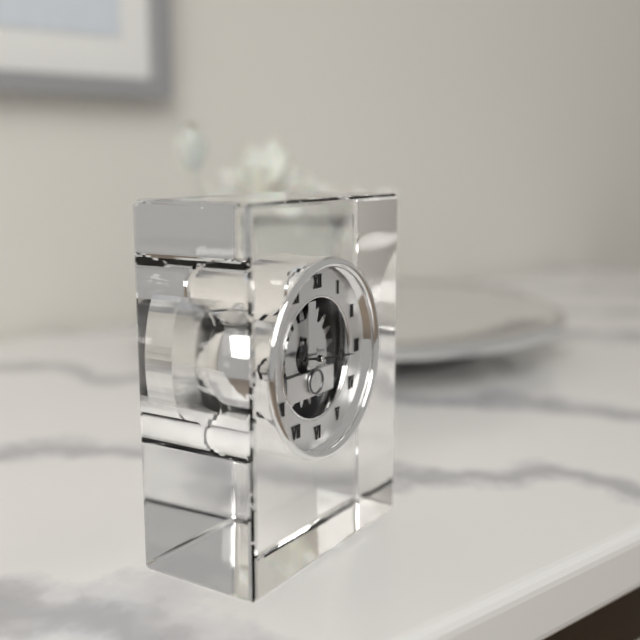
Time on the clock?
9:16
